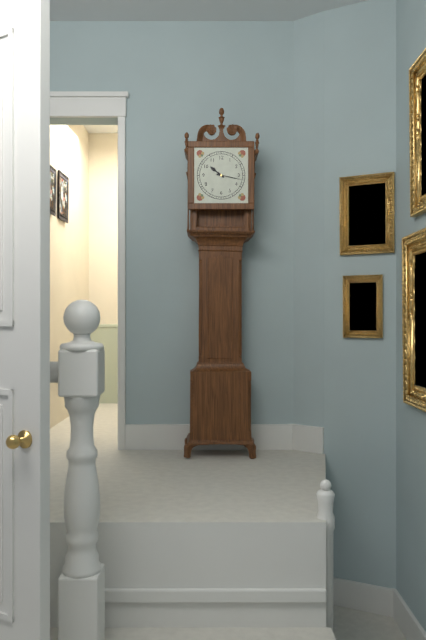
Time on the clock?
10:17
